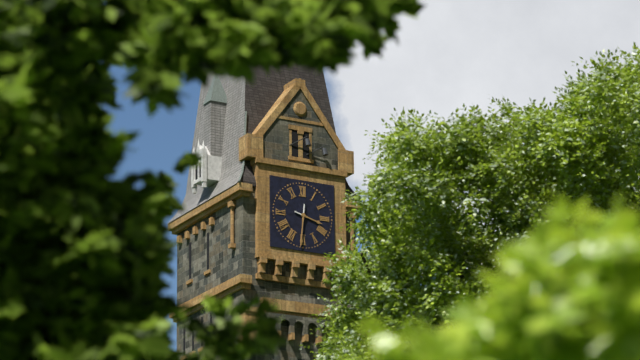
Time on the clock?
3:31
